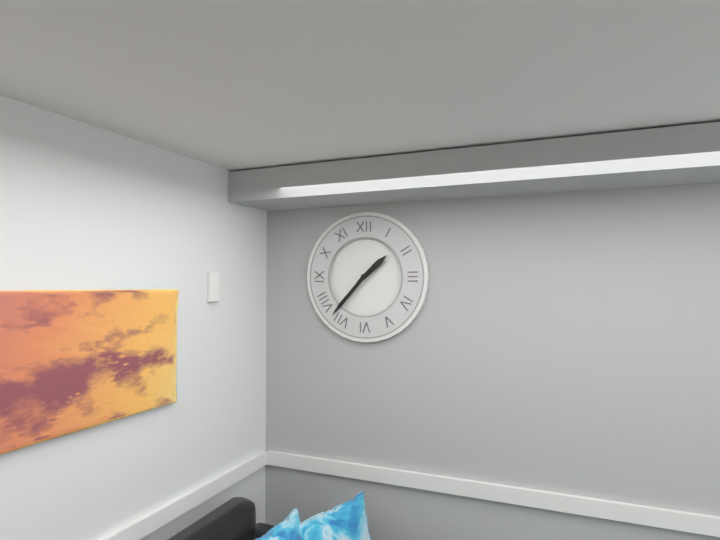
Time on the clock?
1:37
